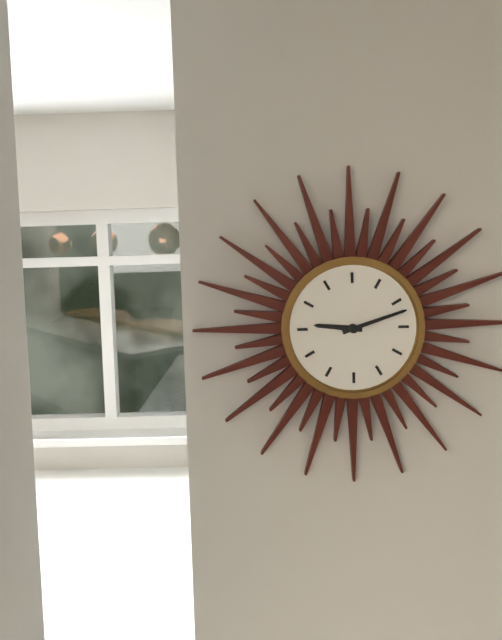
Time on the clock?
9:12
